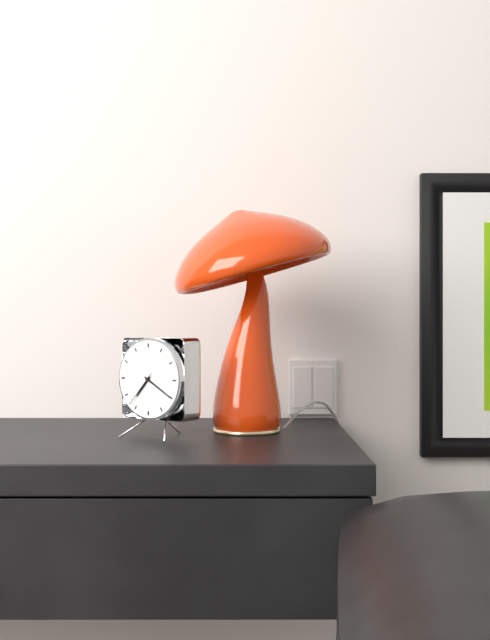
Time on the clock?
7:20
